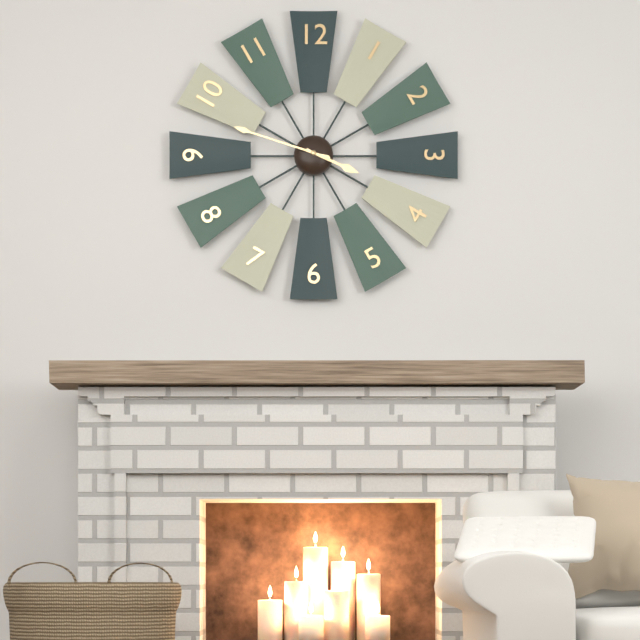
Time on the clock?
3:48
